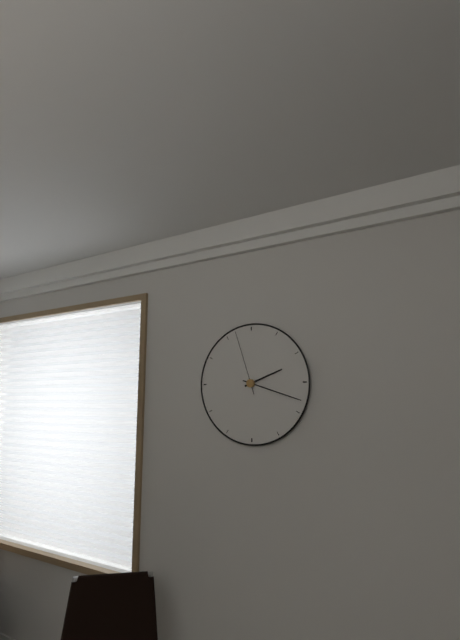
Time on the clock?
2:18:57
